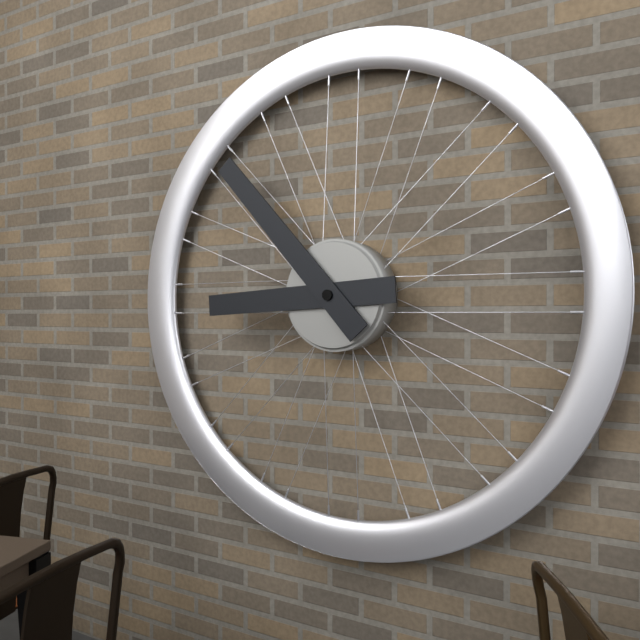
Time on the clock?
8:53
